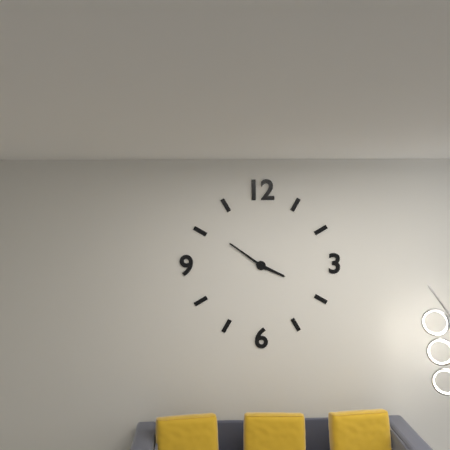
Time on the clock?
3:51
